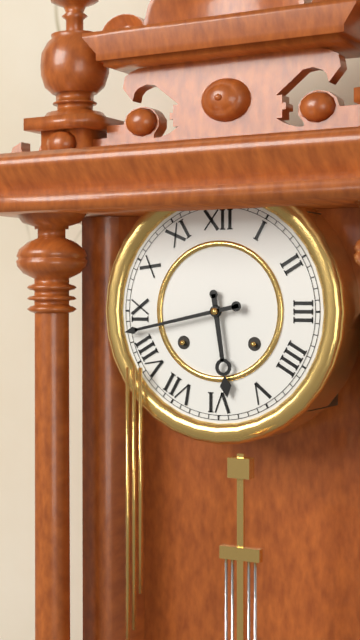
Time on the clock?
5:43
